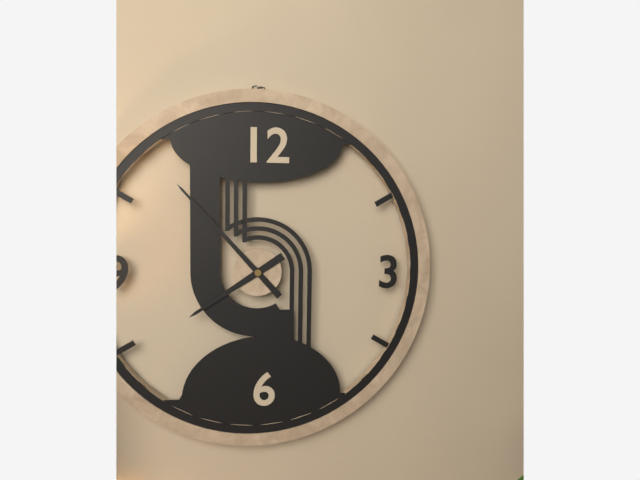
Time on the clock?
7:53
